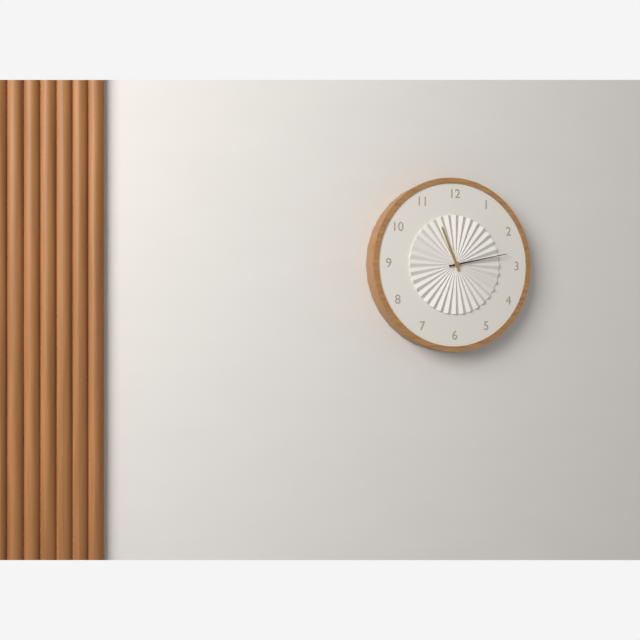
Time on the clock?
11:13
